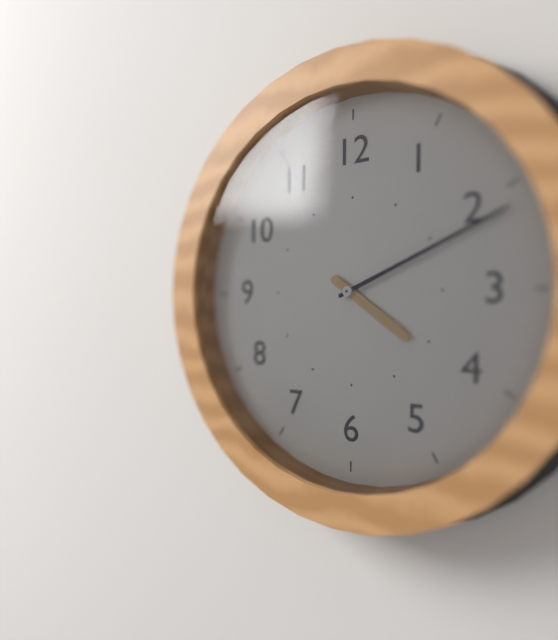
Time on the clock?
4:11
